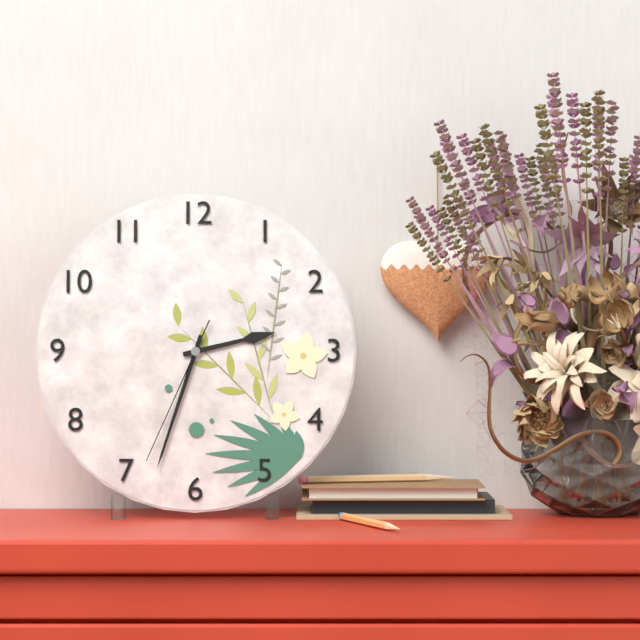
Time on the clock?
2:33:34
